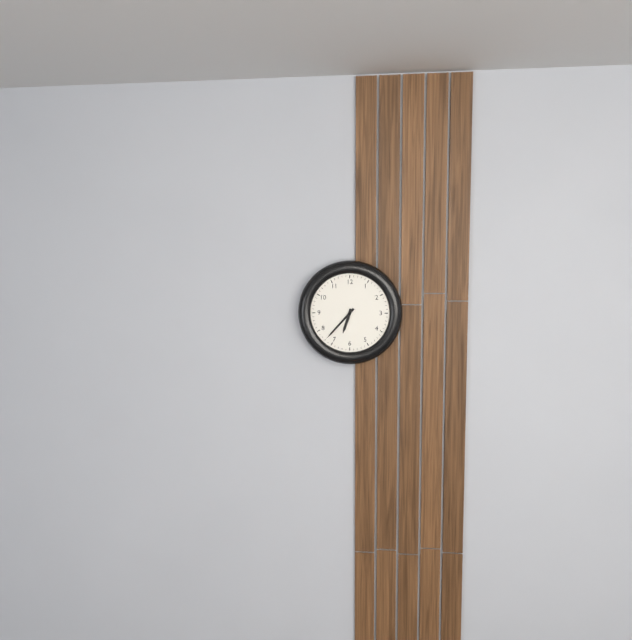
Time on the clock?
6:37
